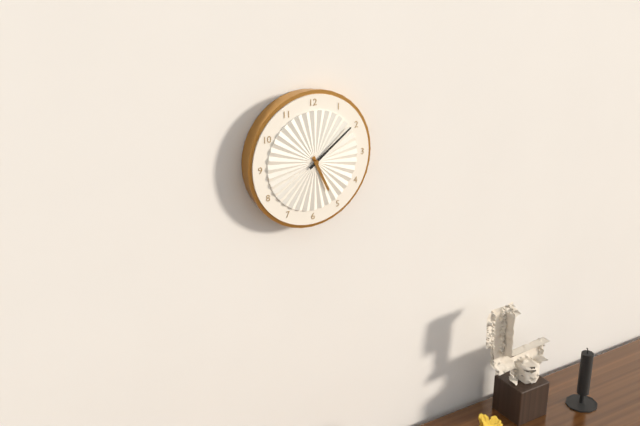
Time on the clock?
5:09
